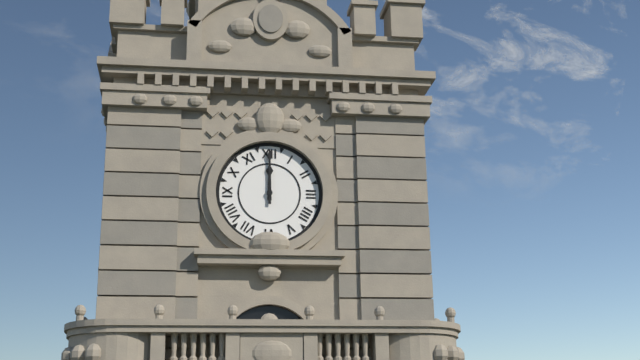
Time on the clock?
12:00
